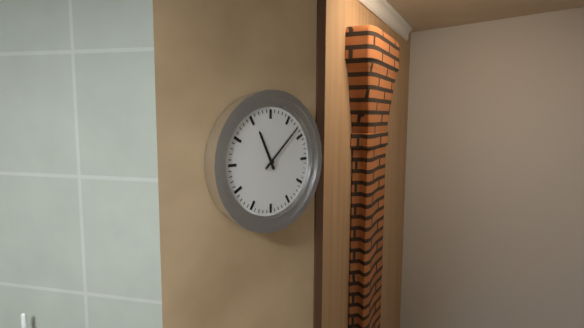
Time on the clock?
11:08
